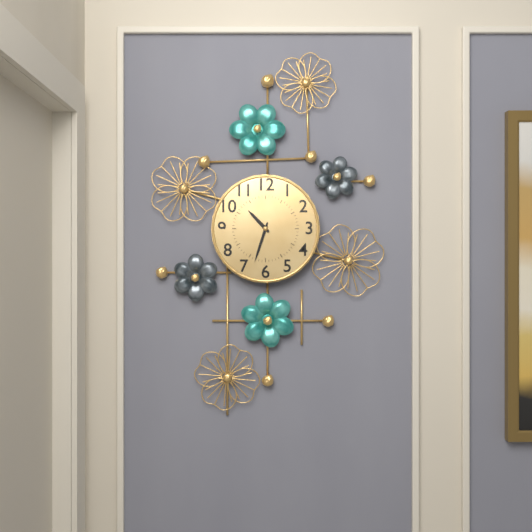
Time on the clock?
10:33
